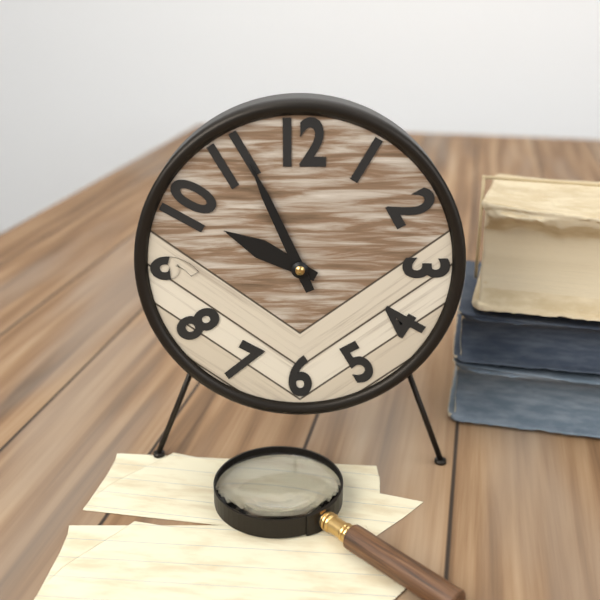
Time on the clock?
9:56
